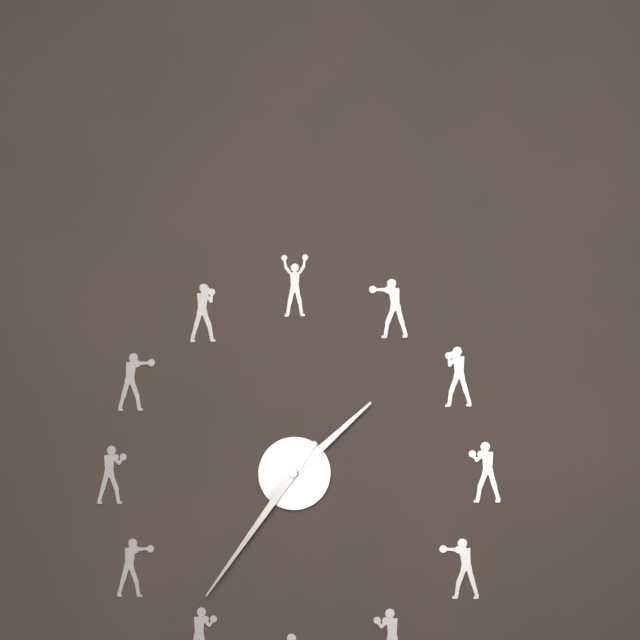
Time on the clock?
1:36
